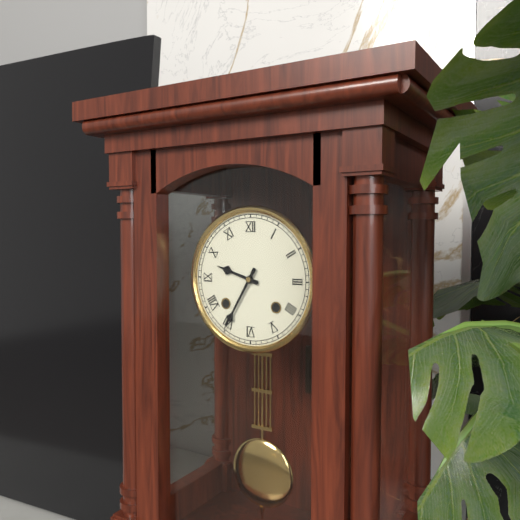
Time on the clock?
9:35
